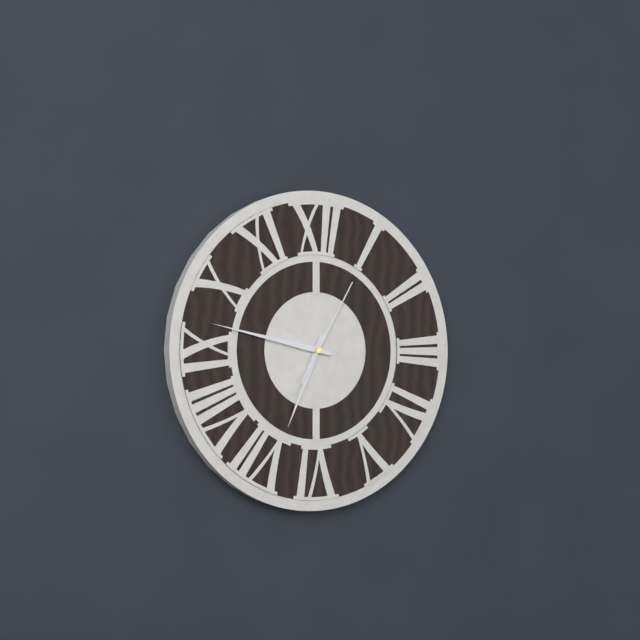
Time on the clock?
6:47:05
